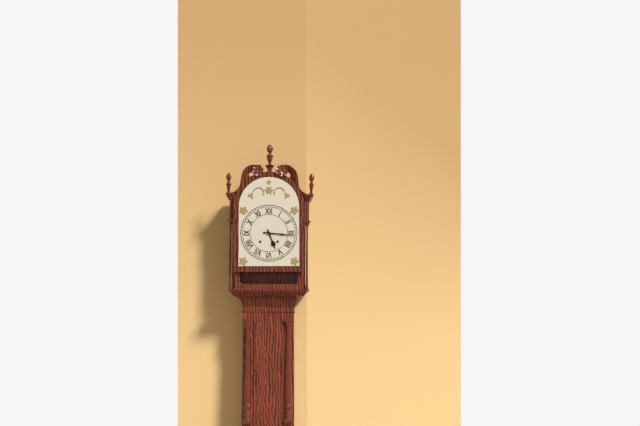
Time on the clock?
5:16
